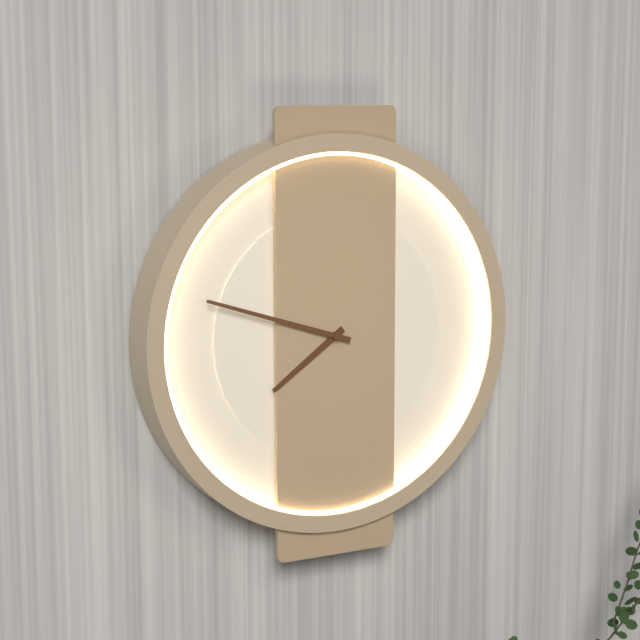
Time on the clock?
7:48
